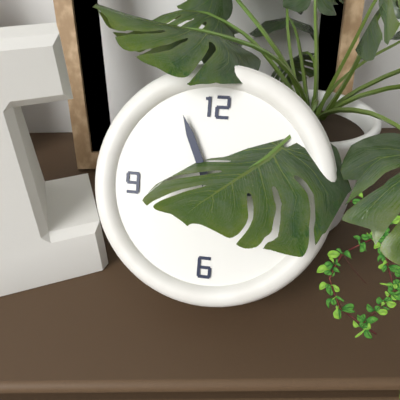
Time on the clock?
2:56
